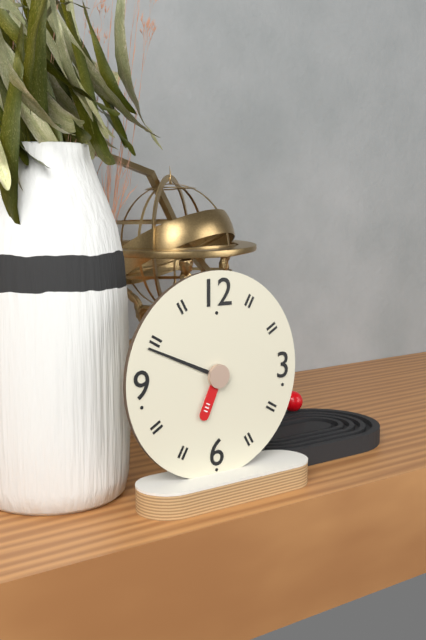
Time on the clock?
6:49
